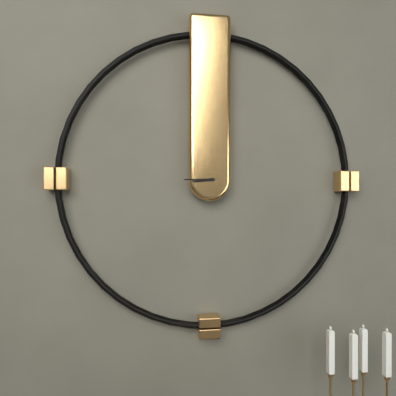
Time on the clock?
8:45
